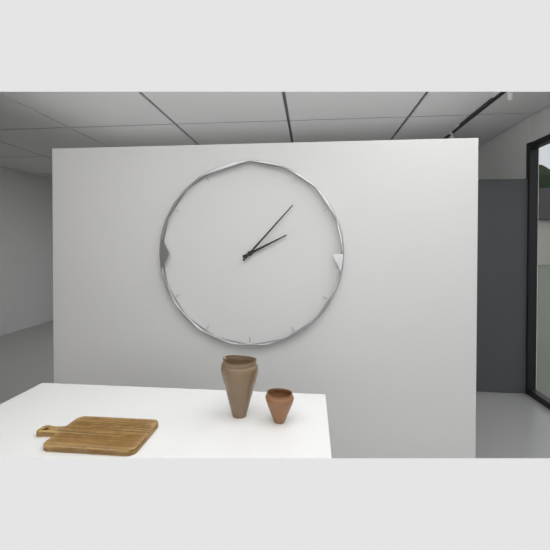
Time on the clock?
2:07
